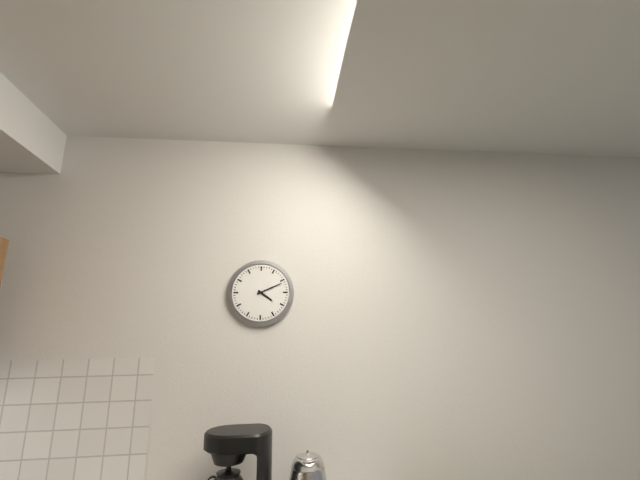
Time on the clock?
4:11
